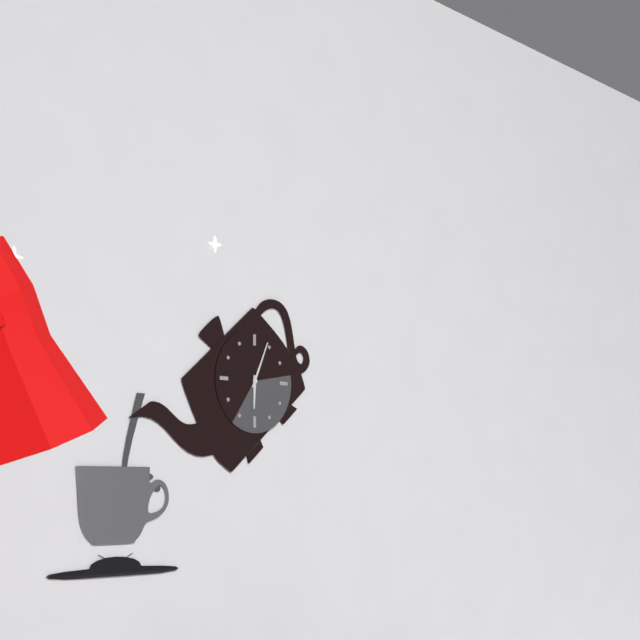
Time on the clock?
6:04
